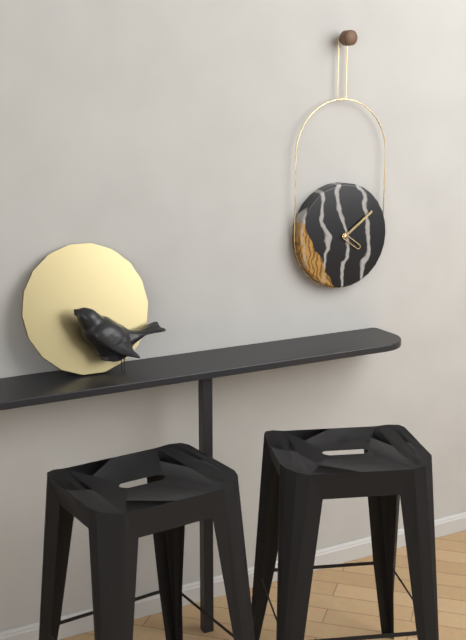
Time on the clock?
4:09
